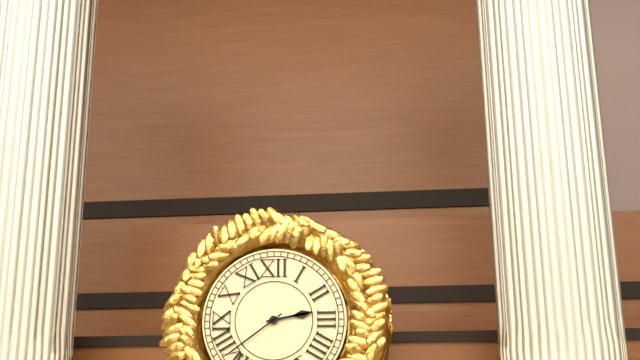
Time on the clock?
2:39
